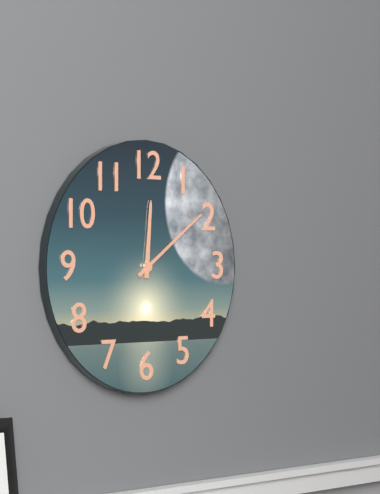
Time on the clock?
12:09
